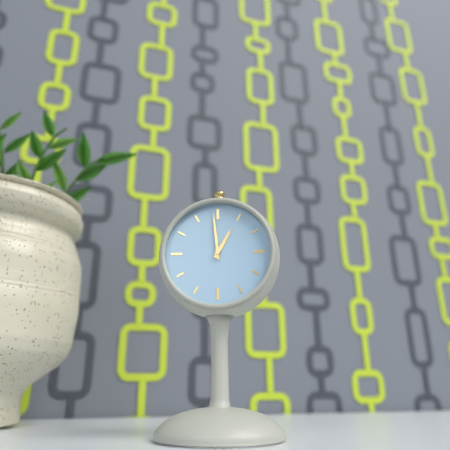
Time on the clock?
12:59
